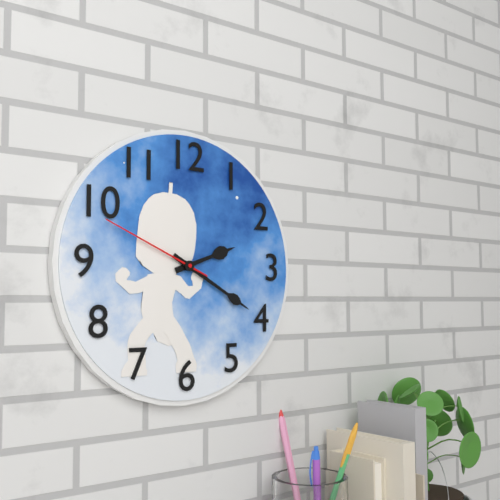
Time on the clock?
2:20:49
